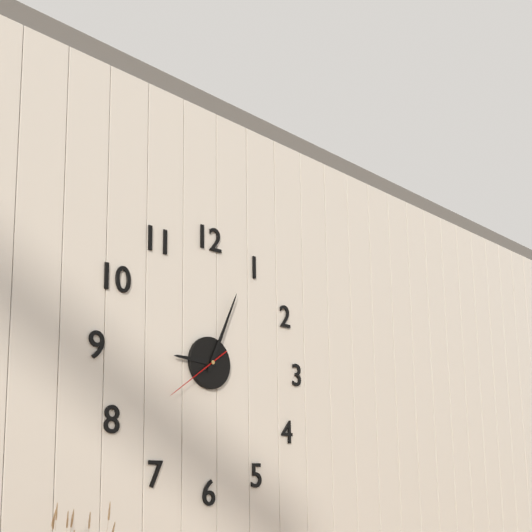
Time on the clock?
9:04:39
